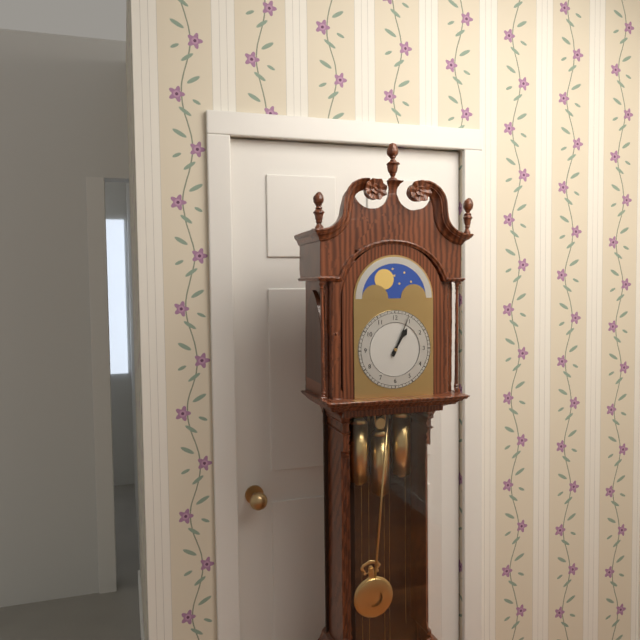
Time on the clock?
1:04
